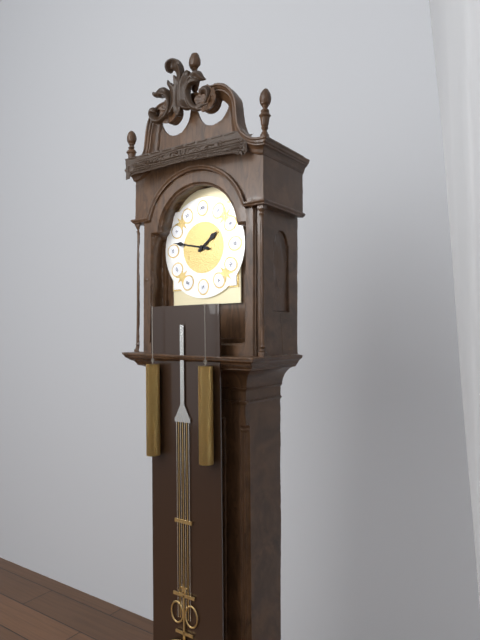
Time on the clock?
1:47
